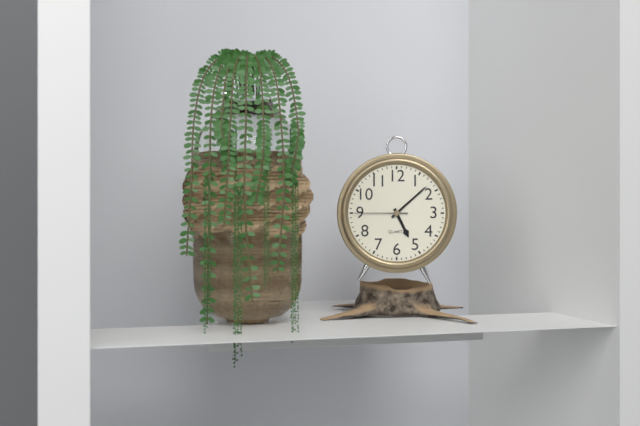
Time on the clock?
5:08:45
